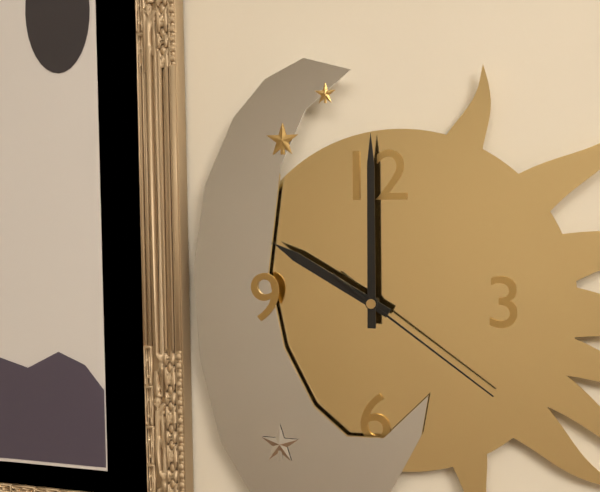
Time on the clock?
10:00:21
